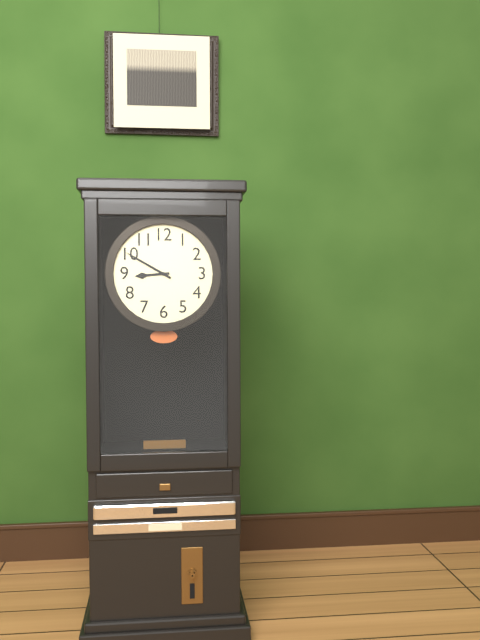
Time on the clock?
8:50
